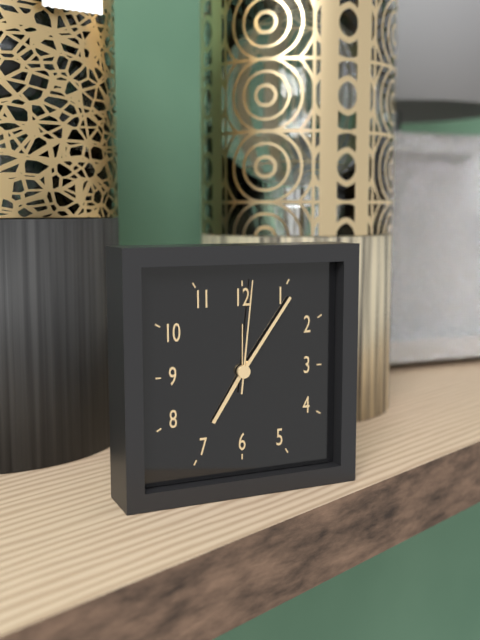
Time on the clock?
7:06:01
